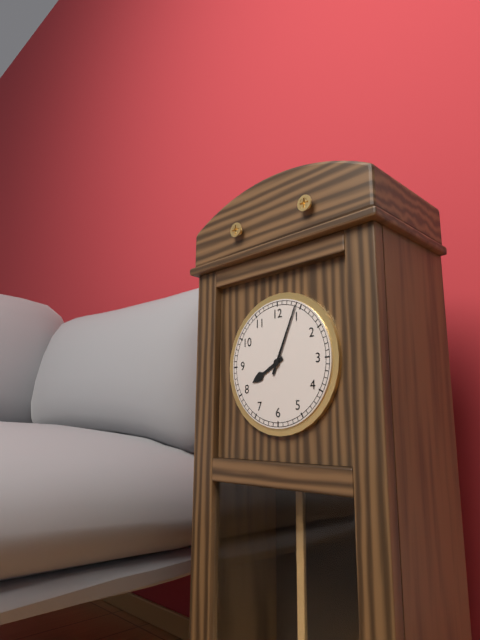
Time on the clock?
8:04
